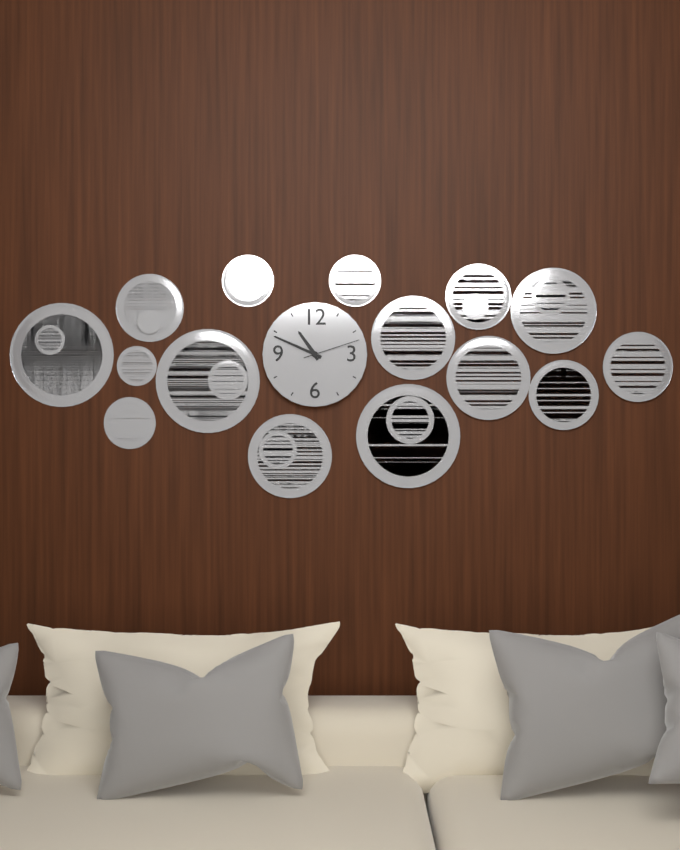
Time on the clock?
10:49:12
